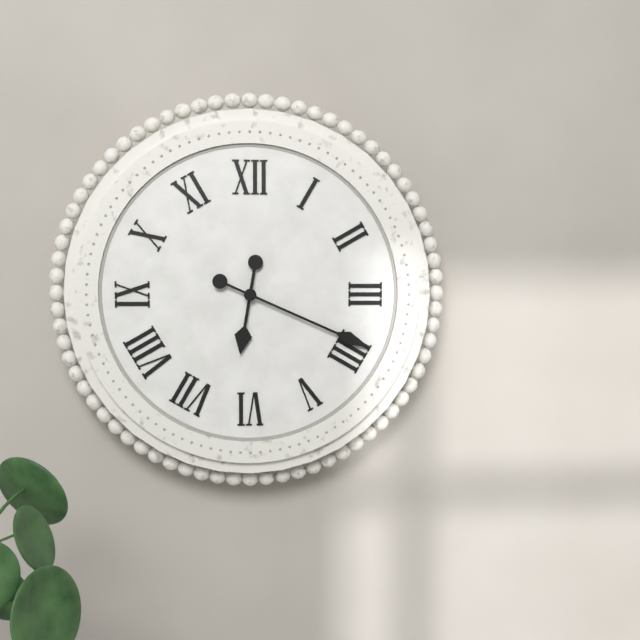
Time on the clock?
6:19
